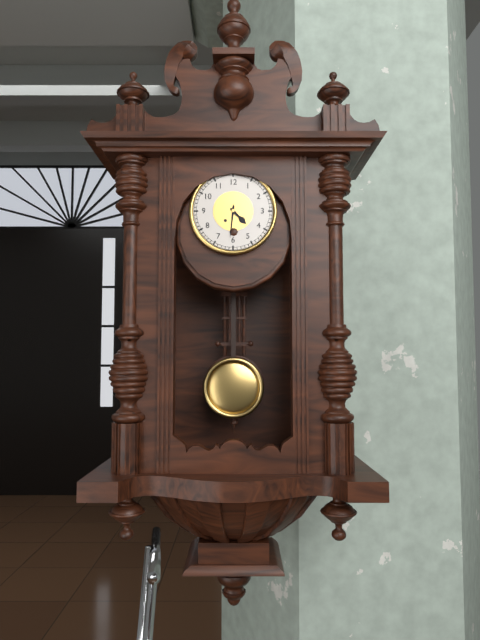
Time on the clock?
4:31
